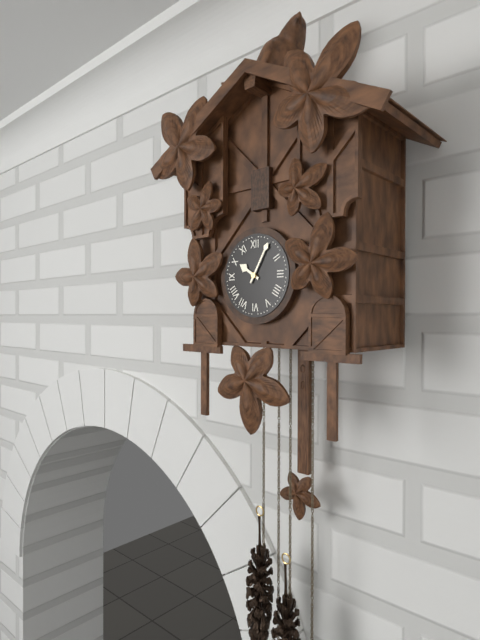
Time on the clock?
10:05
